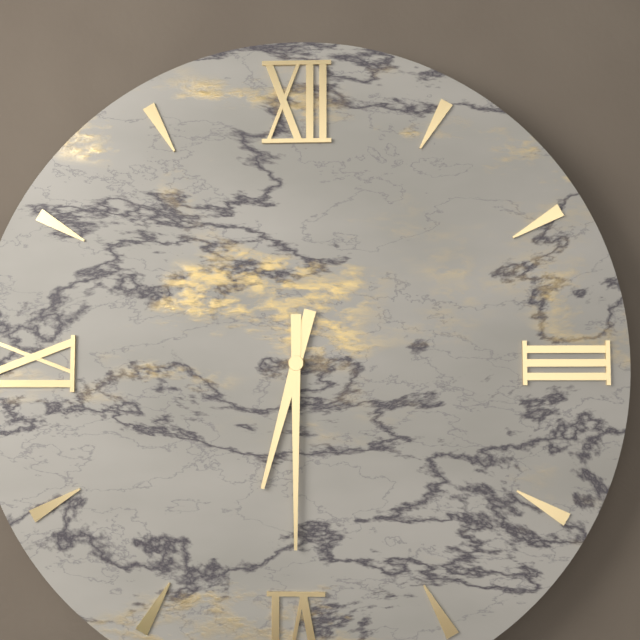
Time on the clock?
6:30
